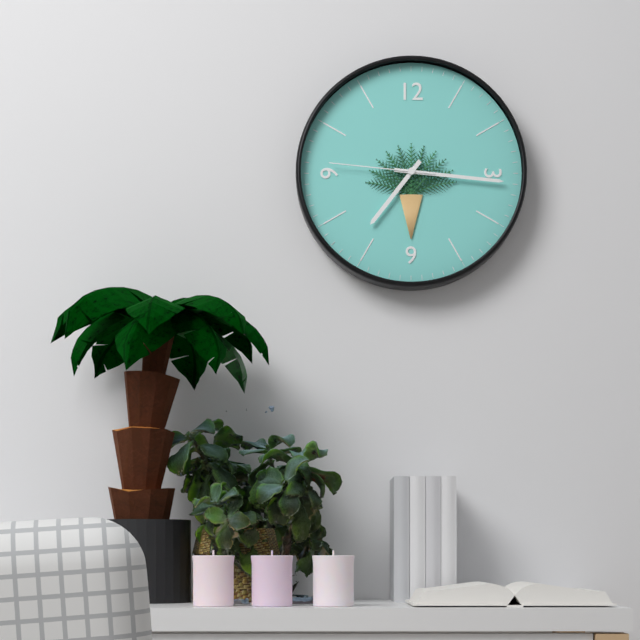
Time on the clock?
7:16:46
